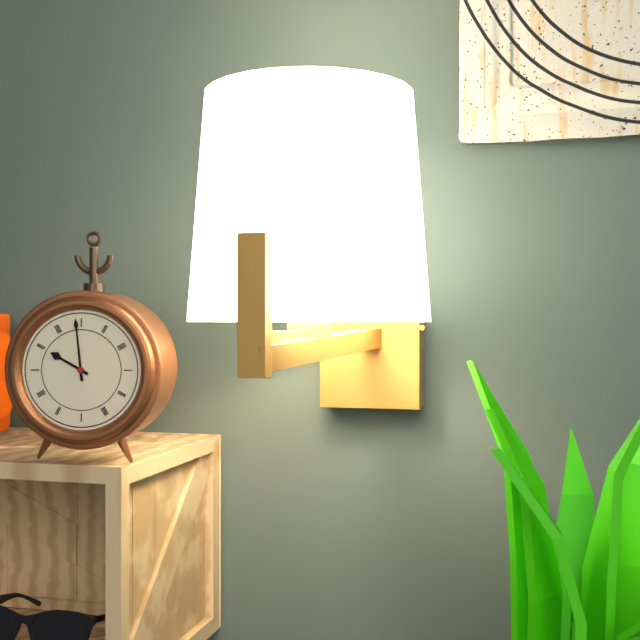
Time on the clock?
9:59
